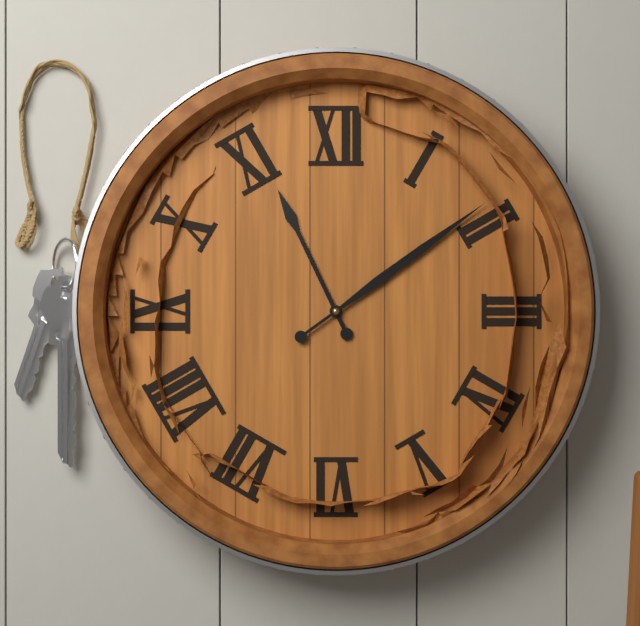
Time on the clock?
11:09
